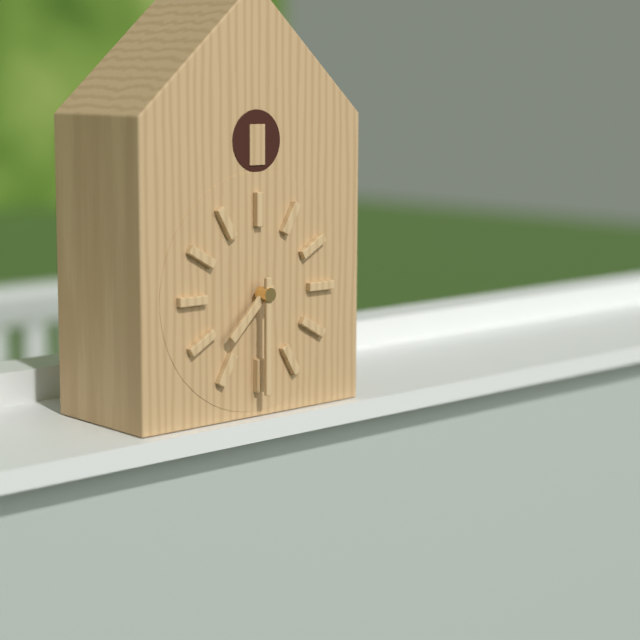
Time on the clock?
7:30
